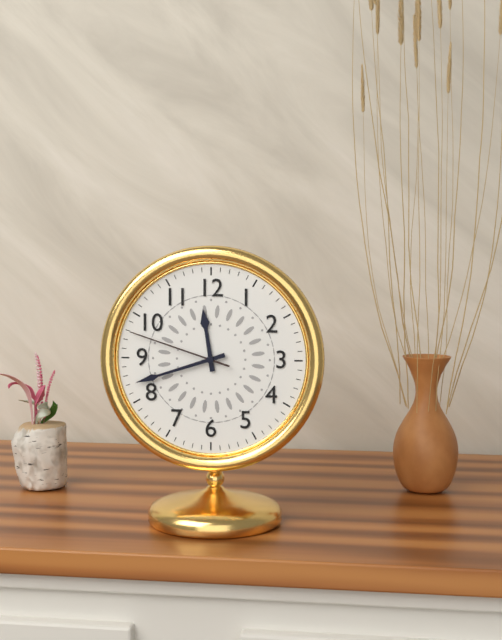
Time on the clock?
11:42:48
